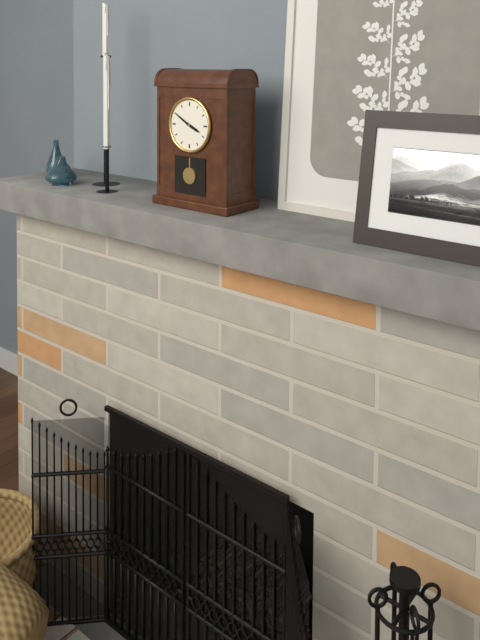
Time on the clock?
3:50
